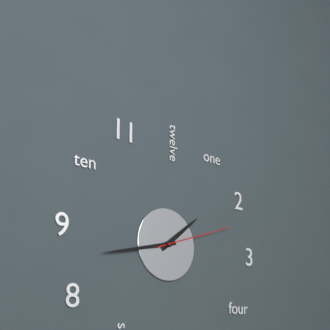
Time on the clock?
1:43:12
